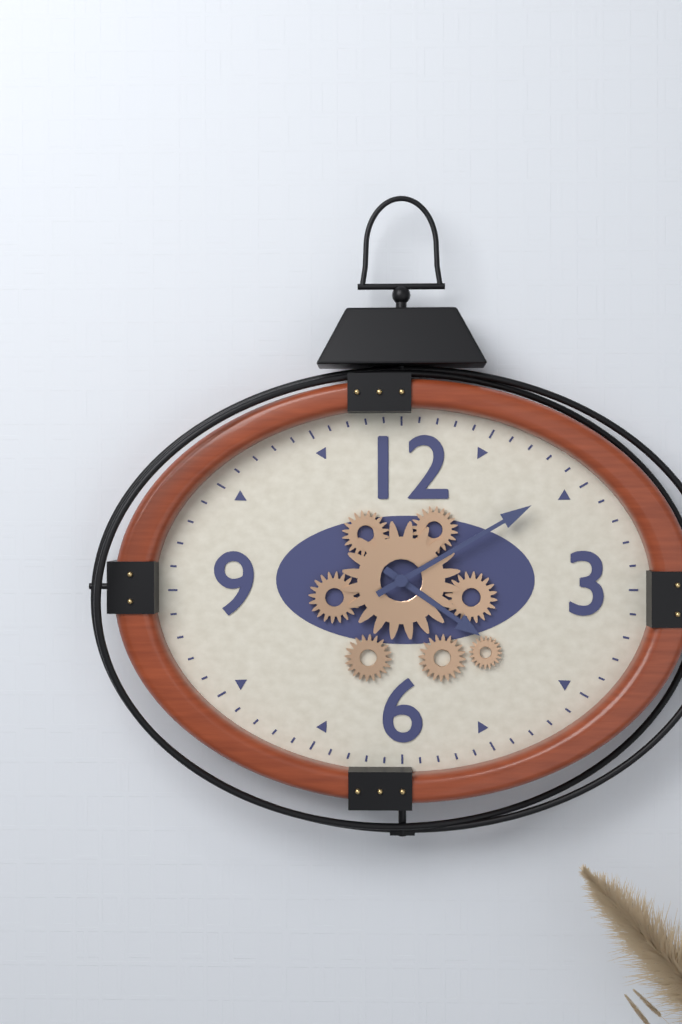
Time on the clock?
4:10
